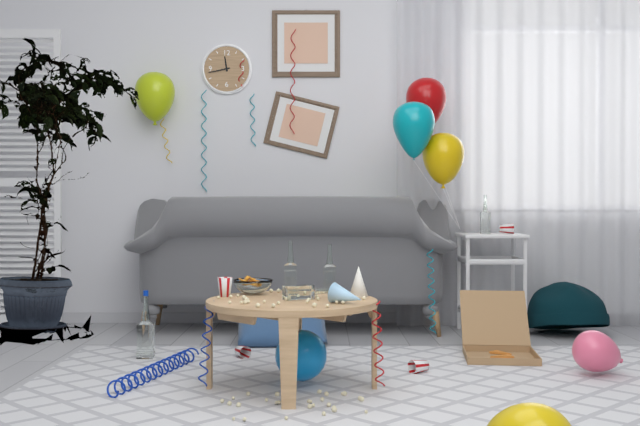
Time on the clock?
11:43
